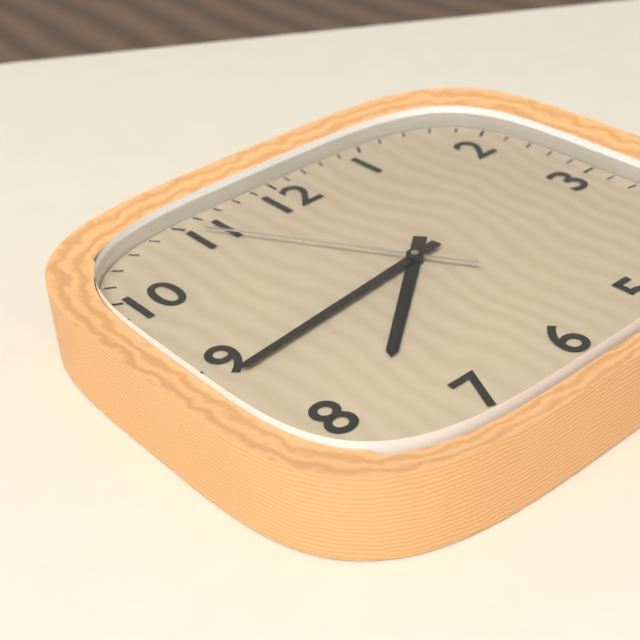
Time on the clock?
7:44:55
